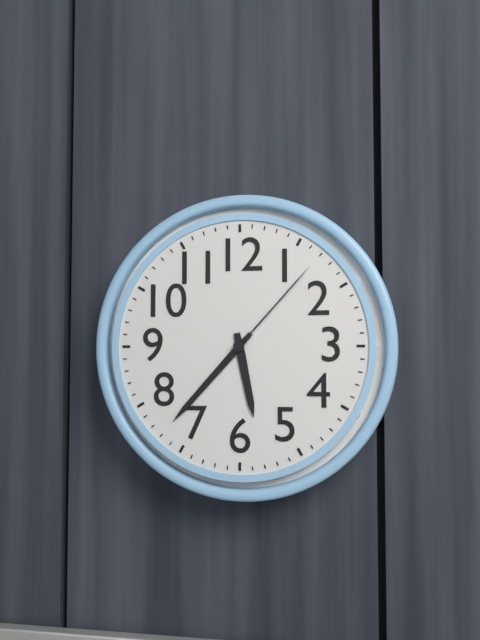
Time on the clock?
5:37:07
